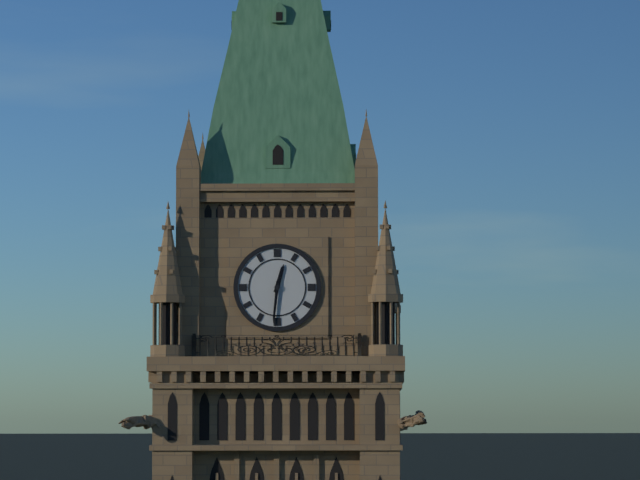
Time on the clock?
12:31
